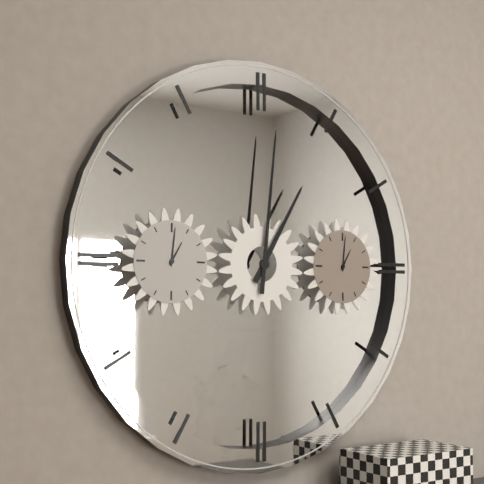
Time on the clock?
1:01
